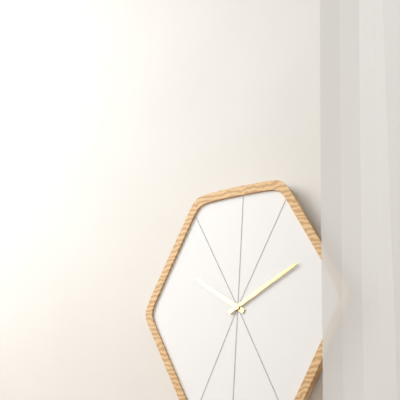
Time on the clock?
10:10
